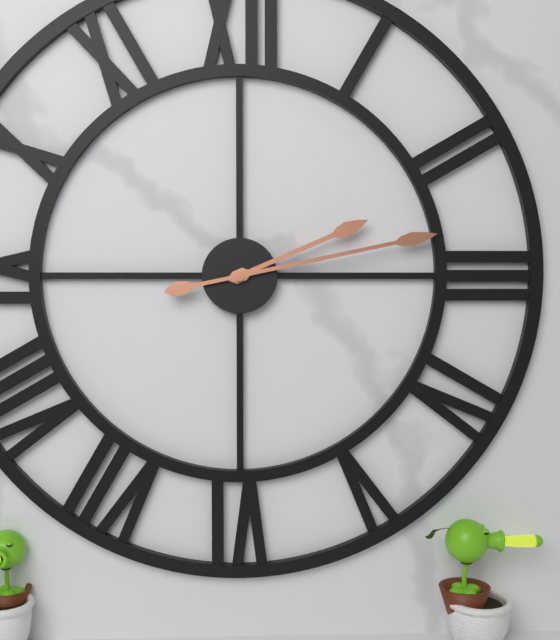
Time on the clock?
2:13
